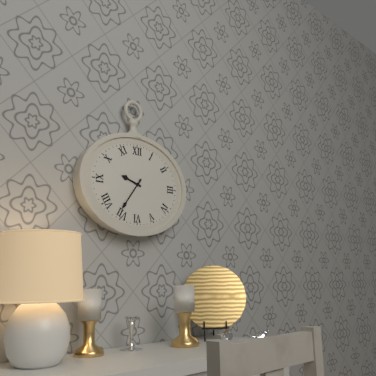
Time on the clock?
9:36
